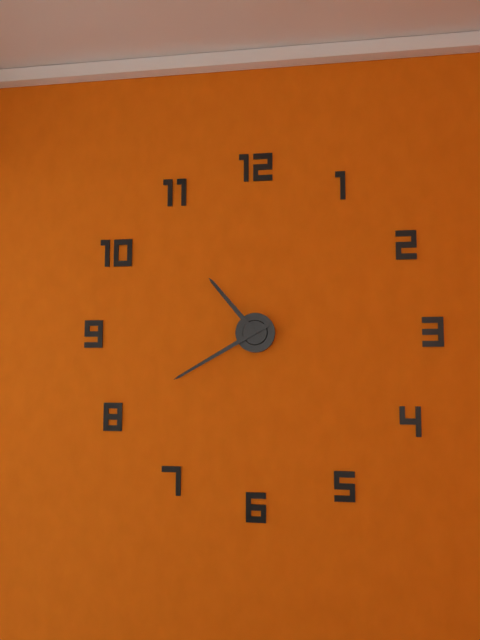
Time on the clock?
10:40
